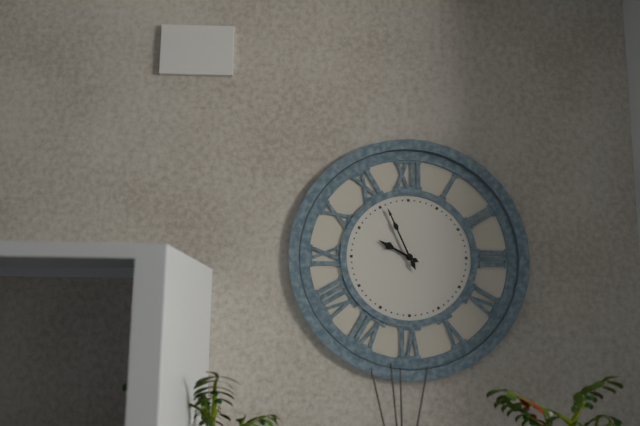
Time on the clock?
9:56
